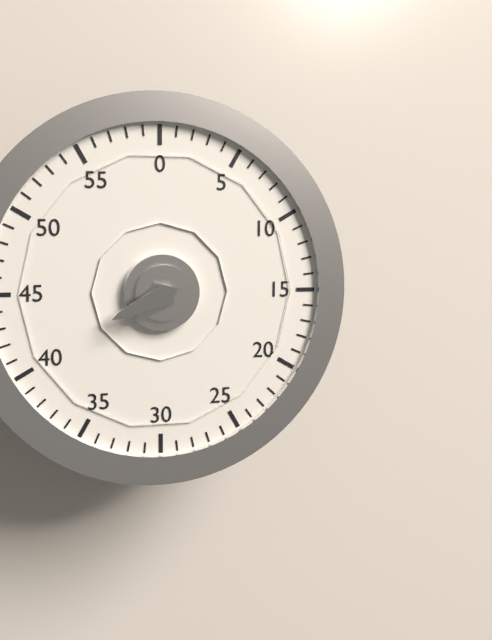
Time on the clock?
7:41
